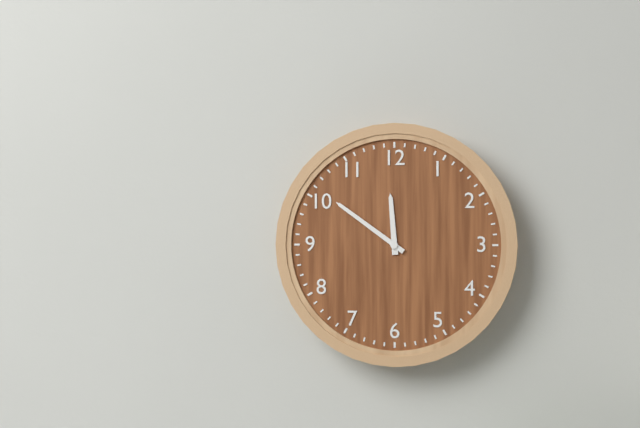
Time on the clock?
11:51
